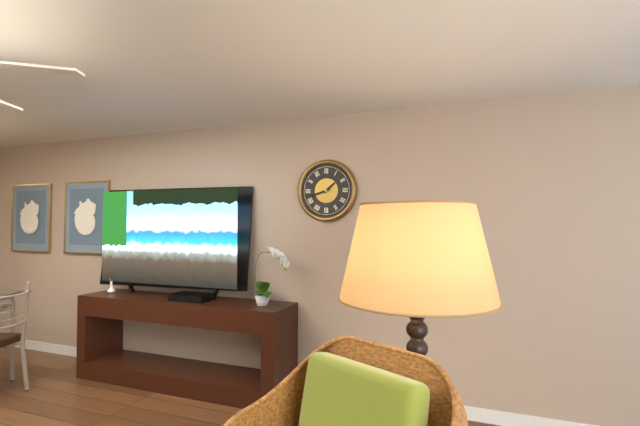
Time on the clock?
1:42
